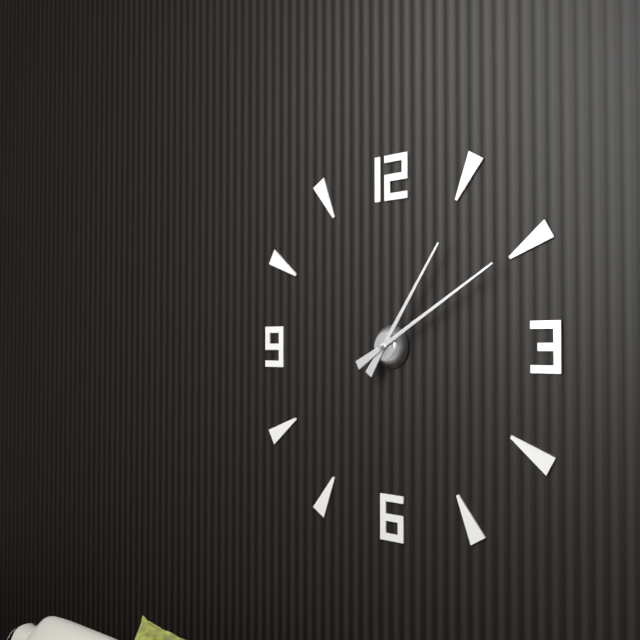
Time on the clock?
1:10
